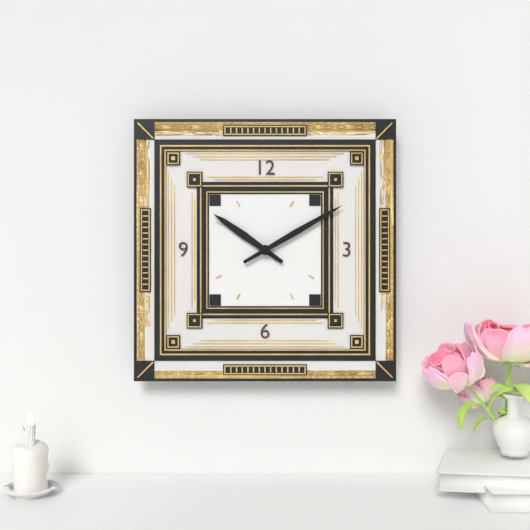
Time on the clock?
10:10
